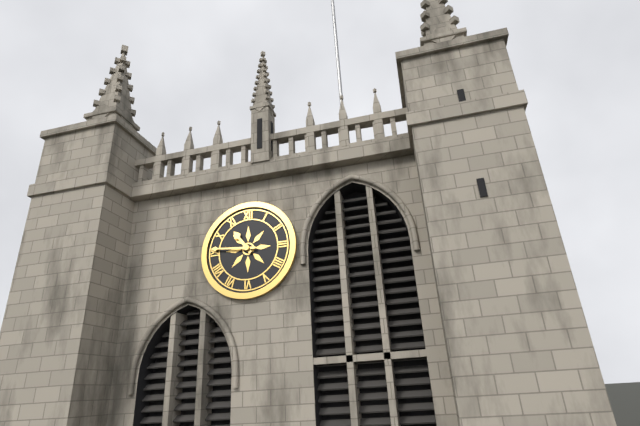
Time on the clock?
10:46
